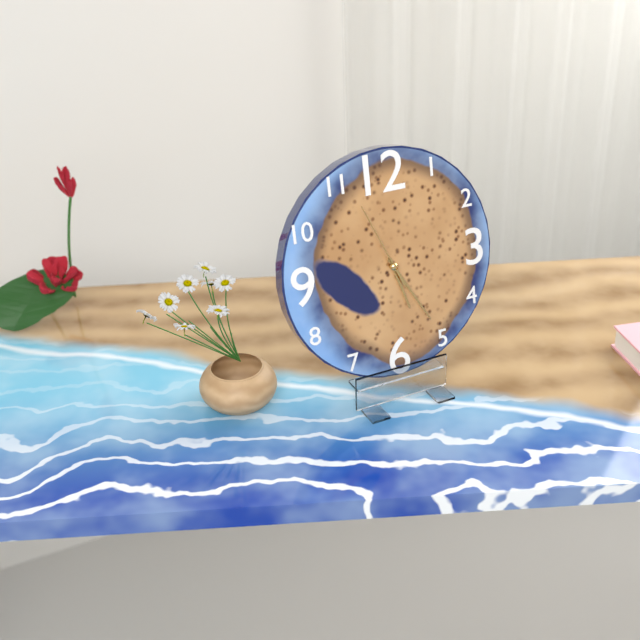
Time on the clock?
5:25:56
